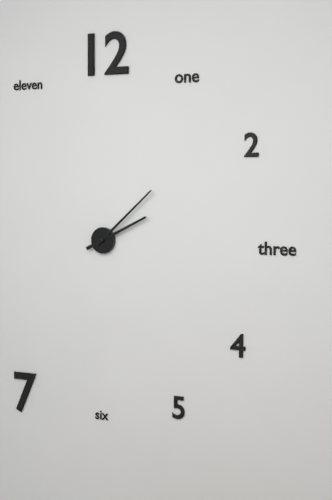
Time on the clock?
2:08
